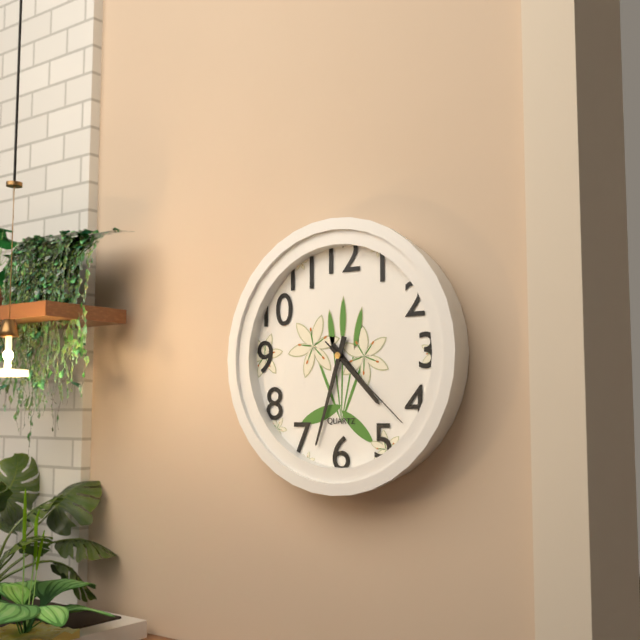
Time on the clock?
4:33:22
